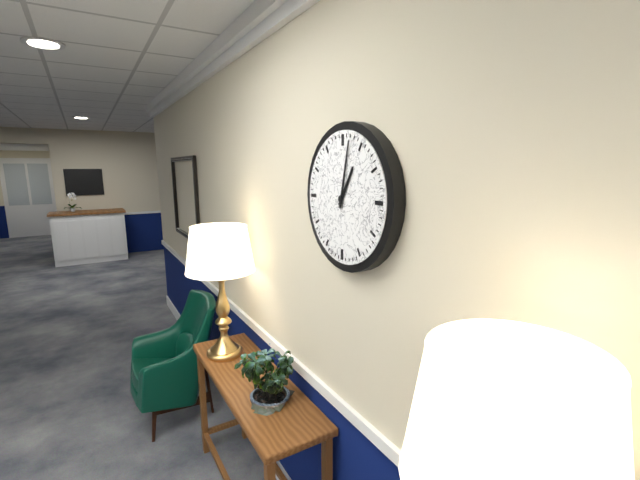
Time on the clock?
1:02
